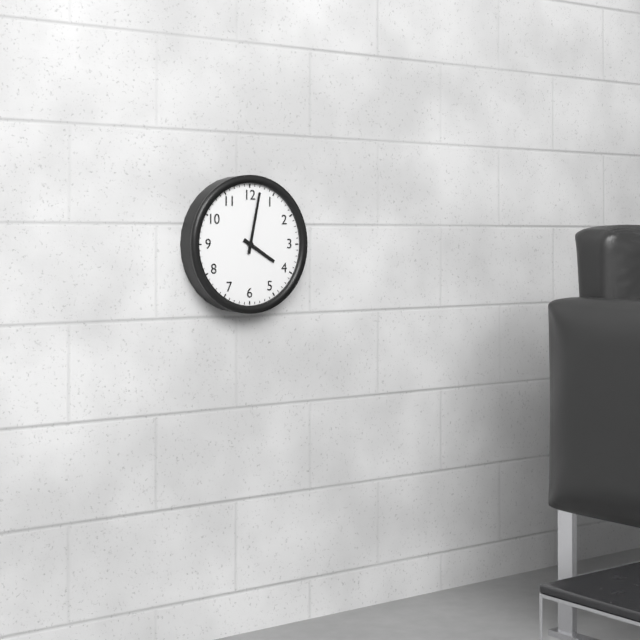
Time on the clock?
4:02
